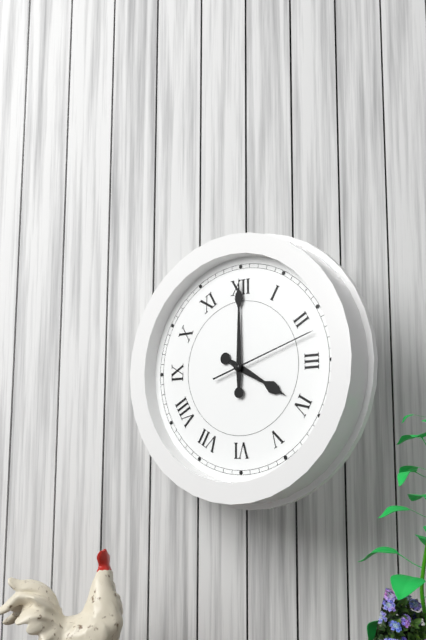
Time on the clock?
4:00:12
